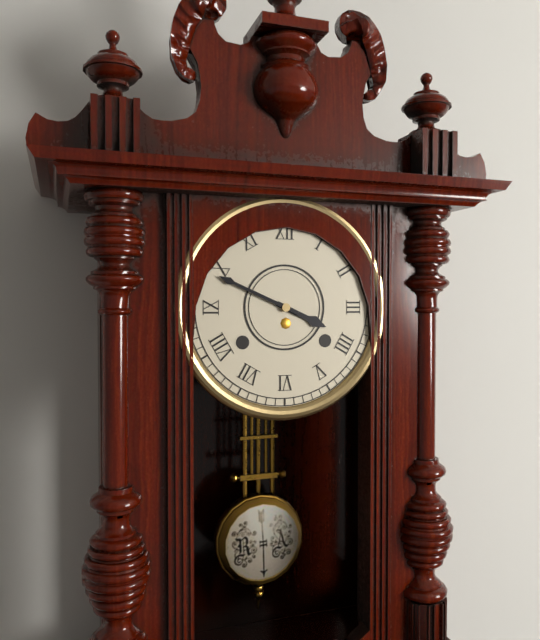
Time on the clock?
3:49
